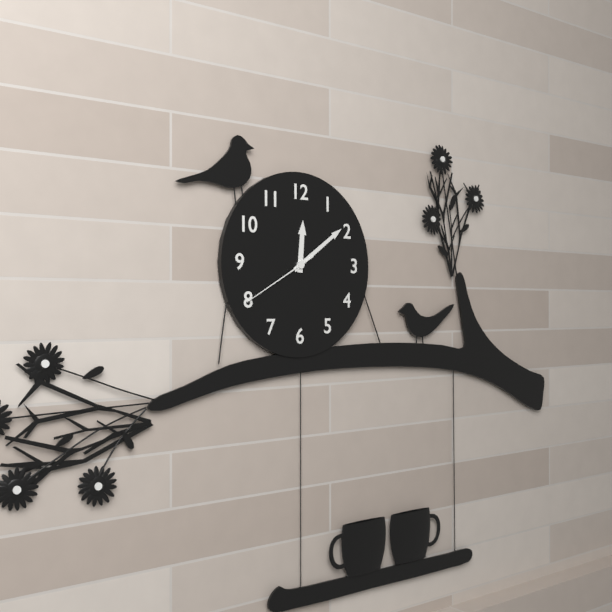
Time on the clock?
12:09:40
